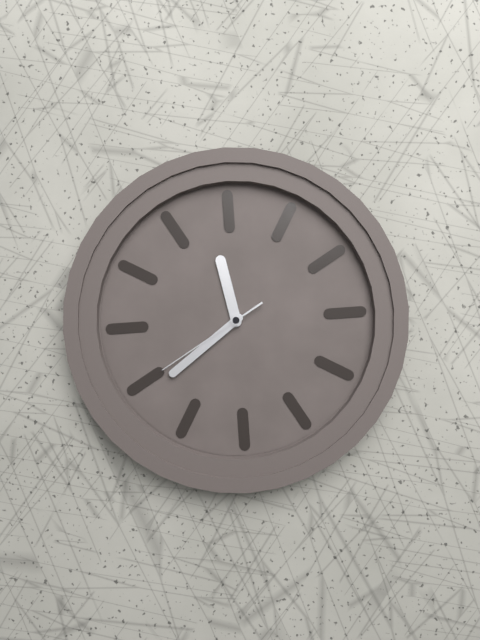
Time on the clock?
11:39:40
